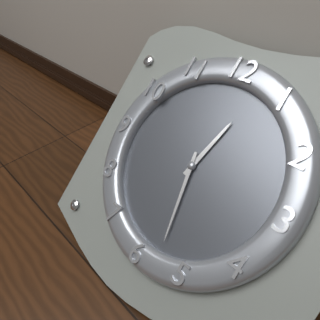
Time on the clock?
12:28
